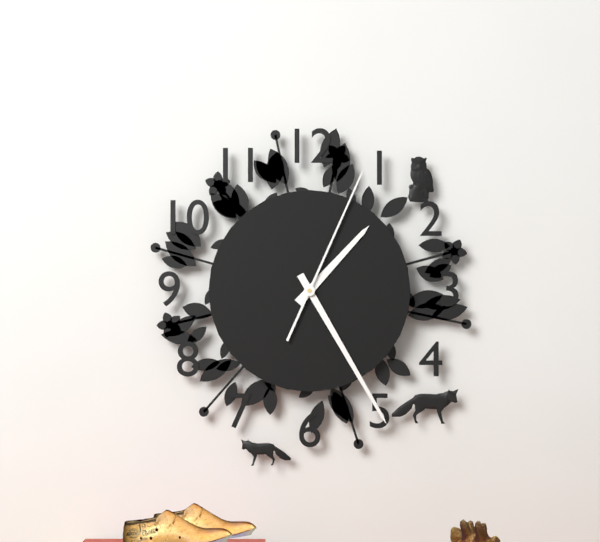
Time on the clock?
1:25:04
